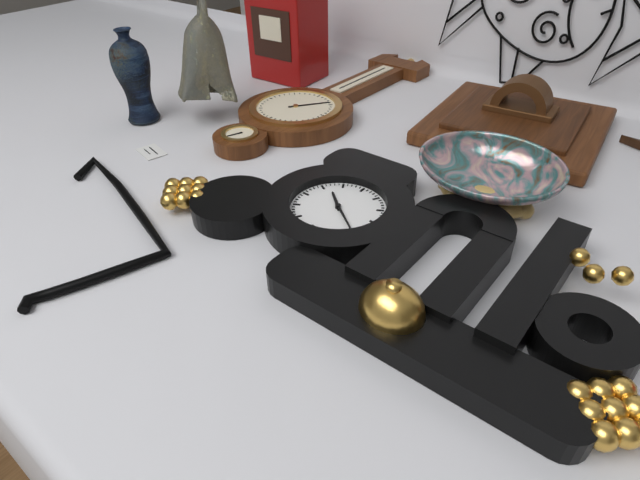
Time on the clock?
10:21
